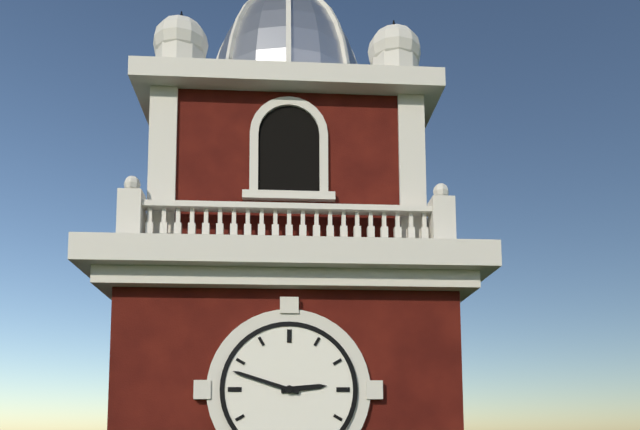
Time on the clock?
2:48
